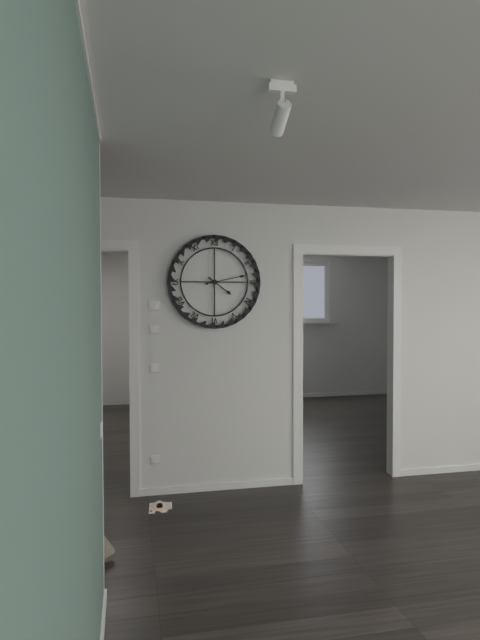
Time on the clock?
4:13
